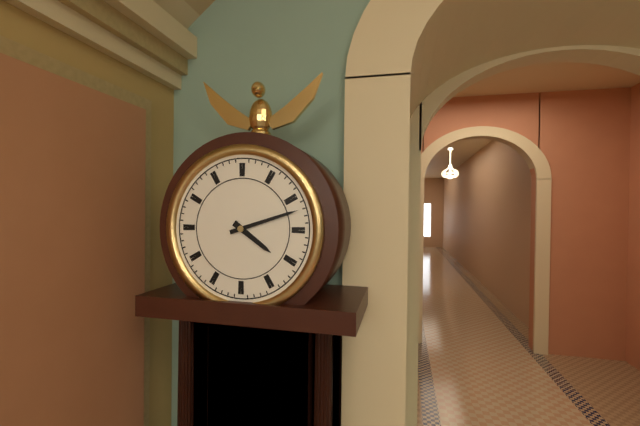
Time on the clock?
4:12
